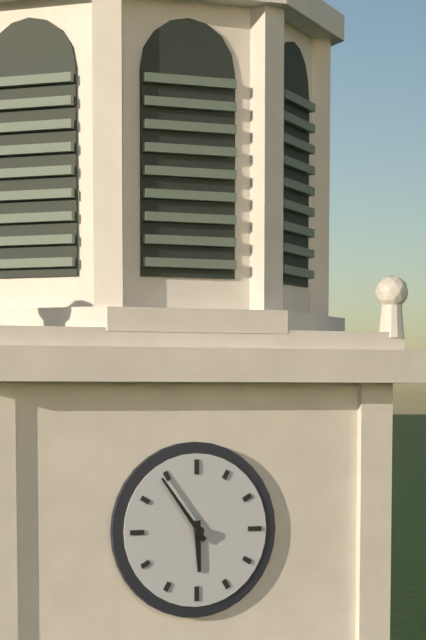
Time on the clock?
5:54
